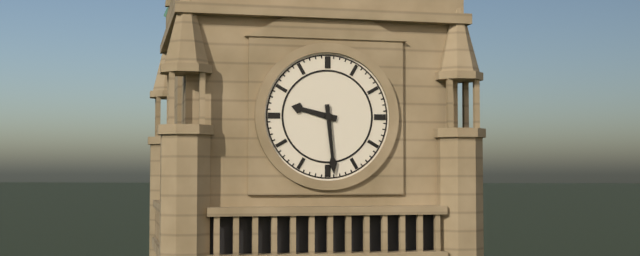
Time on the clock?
9:29
